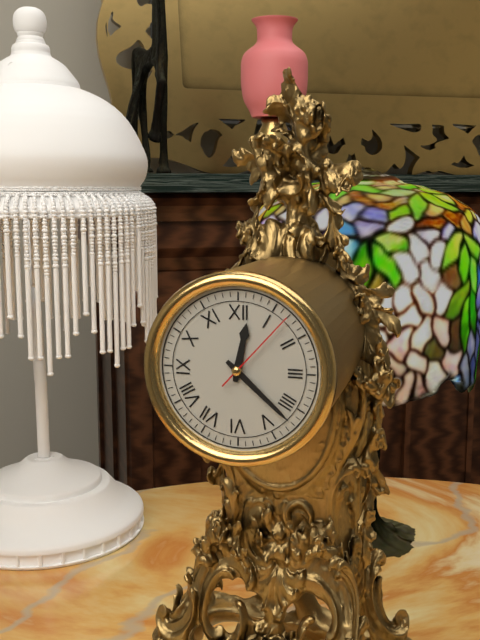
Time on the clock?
12:22:07
